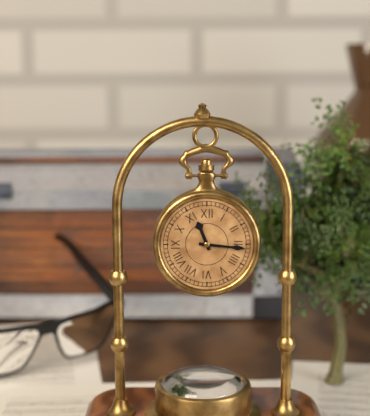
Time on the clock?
11:16
